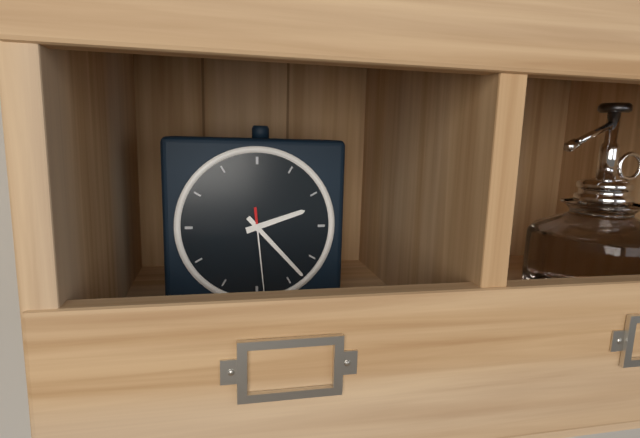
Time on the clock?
2:23:29
